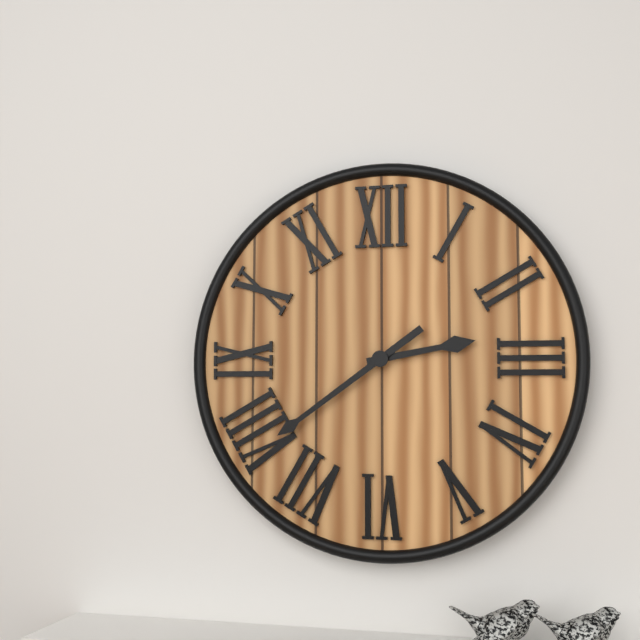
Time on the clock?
2:39
